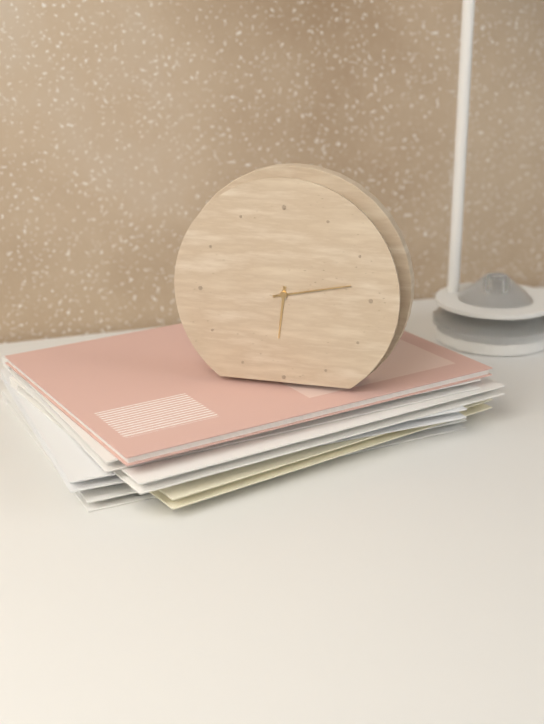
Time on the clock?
6:13
